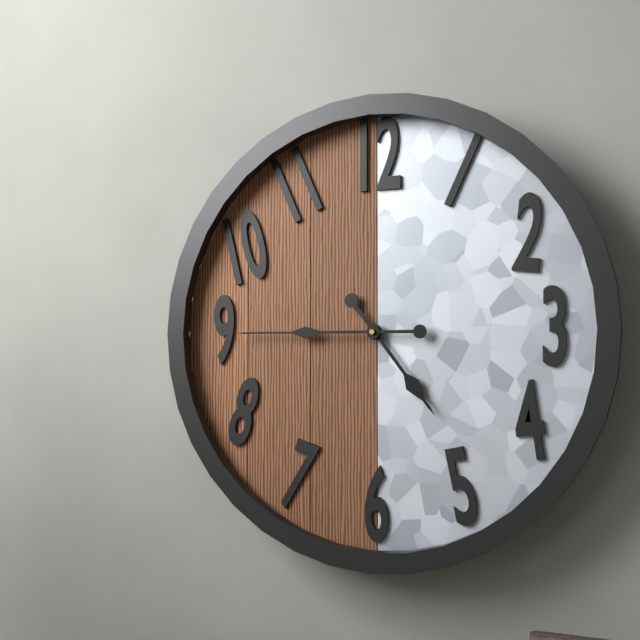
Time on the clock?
4:45
